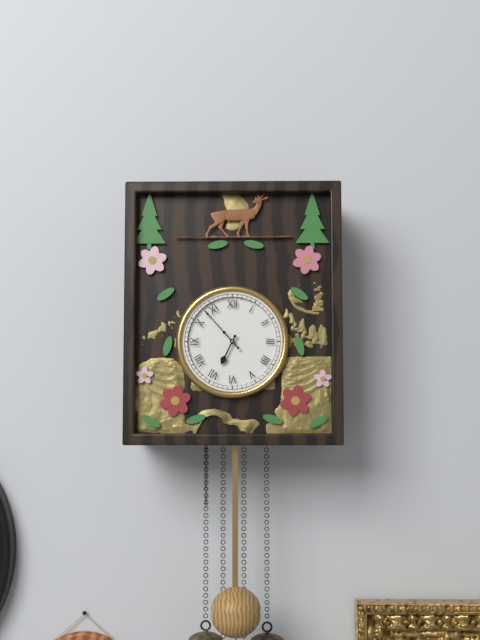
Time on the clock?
6:53
